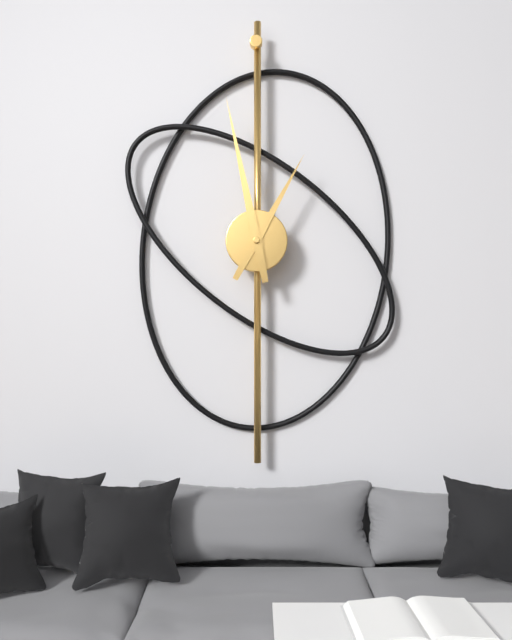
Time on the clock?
12:58
